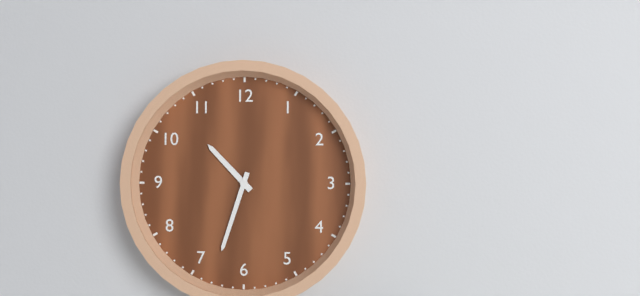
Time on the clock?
10:33
